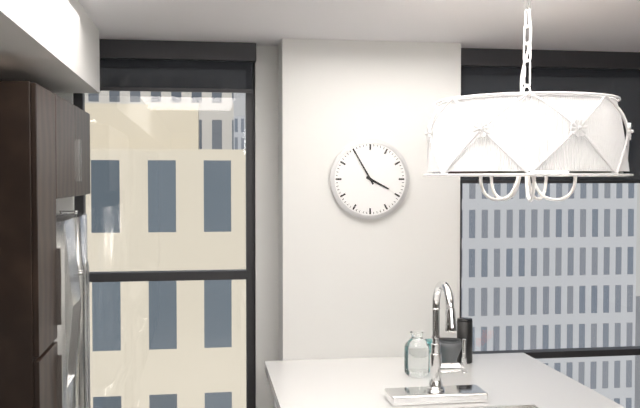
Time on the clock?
3:55
